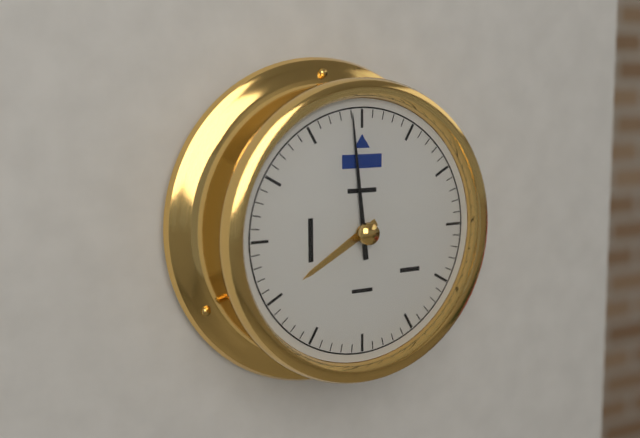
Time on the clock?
7:59
